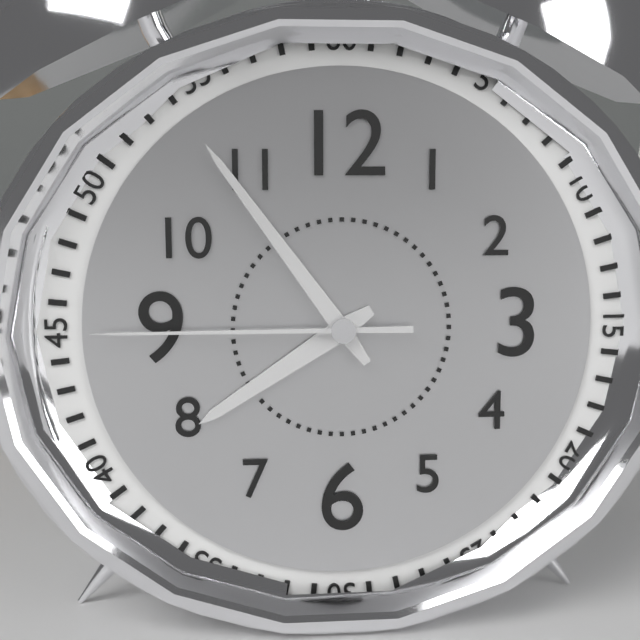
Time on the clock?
7:54:45
